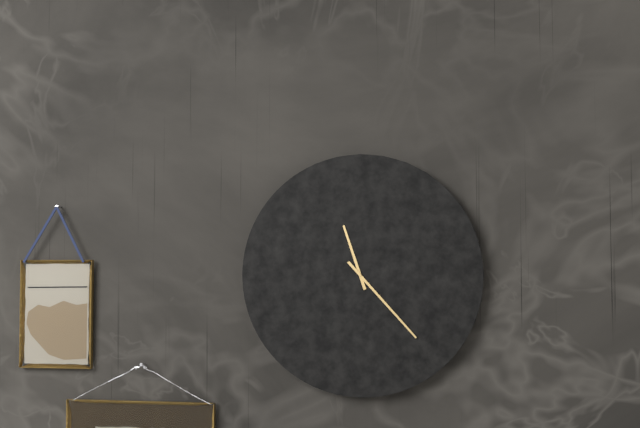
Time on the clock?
11:23
